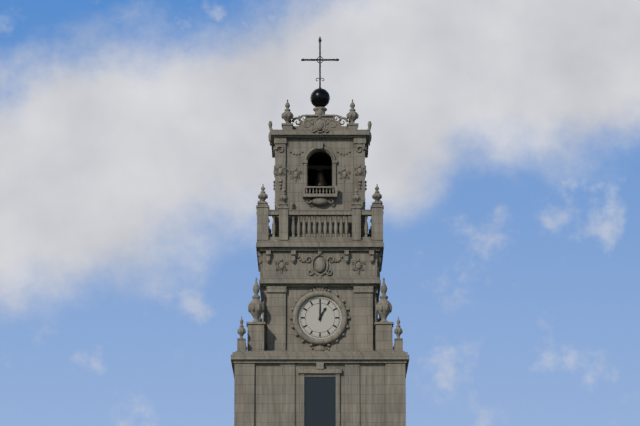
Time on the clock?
1:00
